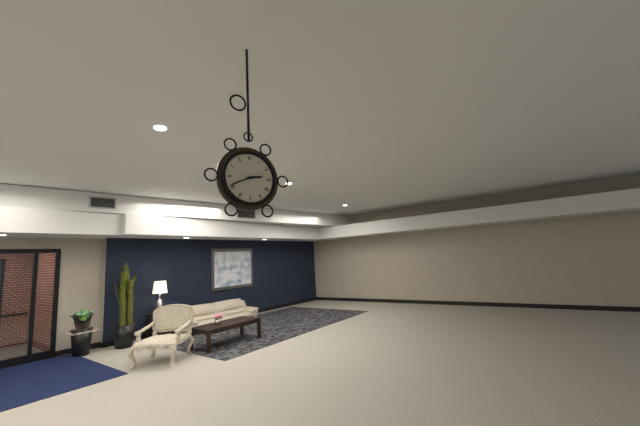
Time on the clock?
2:41
